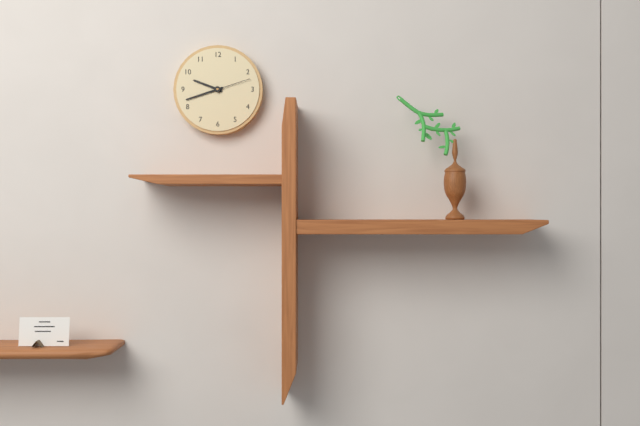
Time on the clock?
9:42
